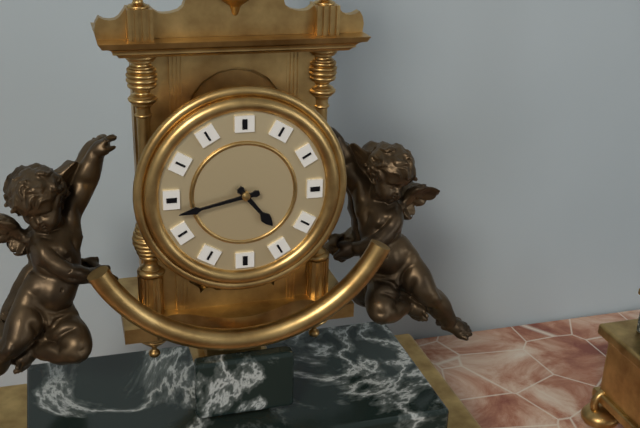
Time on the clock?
4:43
